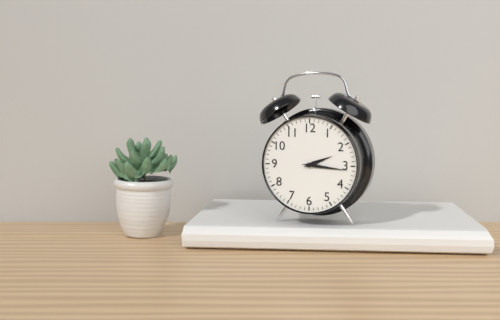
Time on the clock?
2:16
